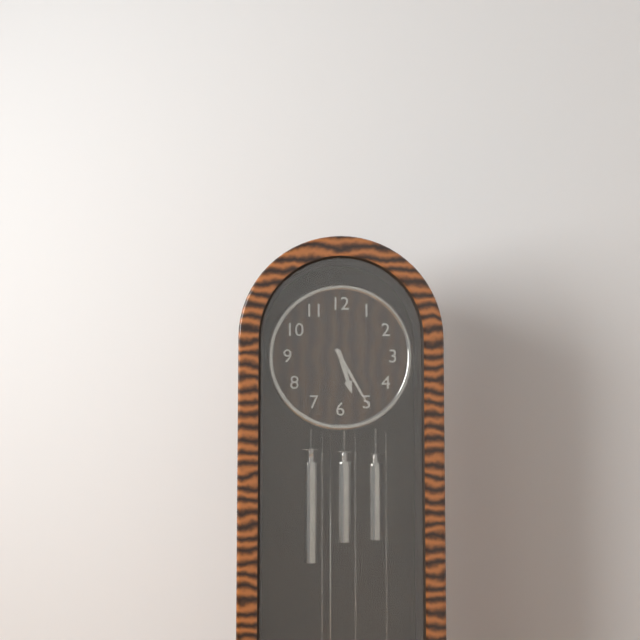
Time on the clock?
5:25
